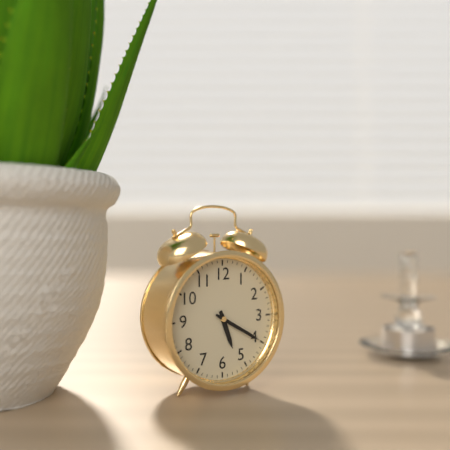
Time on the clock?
5:20
